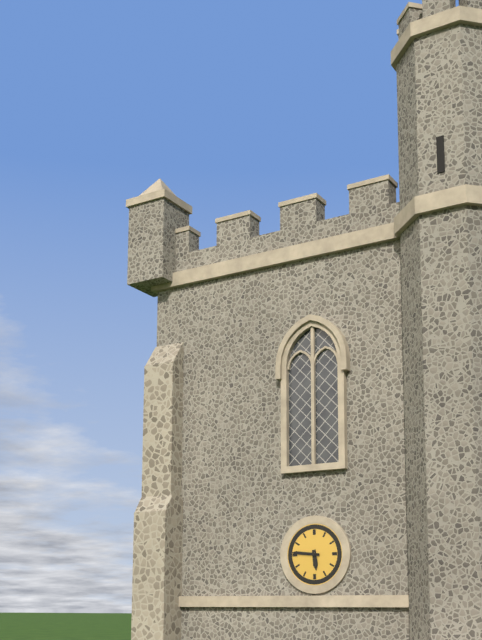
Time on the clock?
5:46
